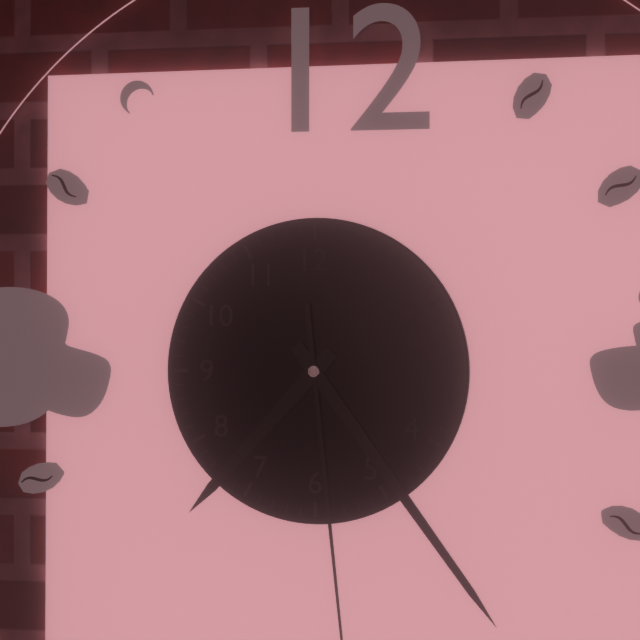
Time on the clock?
7:24
